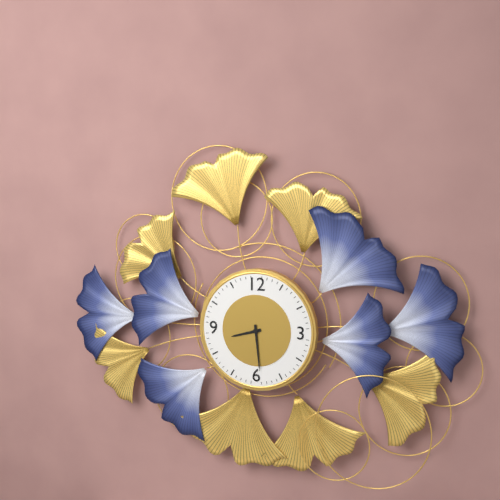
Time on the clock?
8:29
